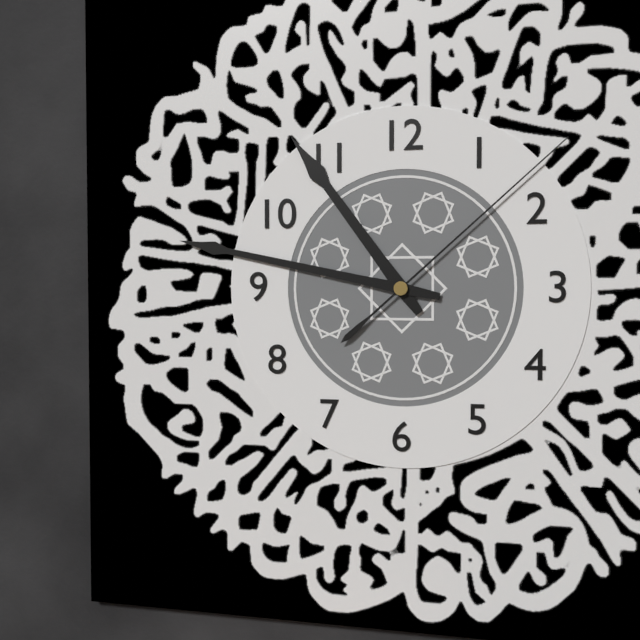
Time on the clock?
10:47:08
